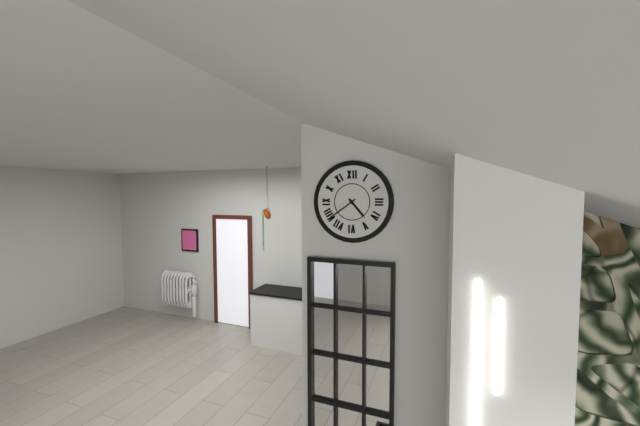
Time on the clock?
4:39
